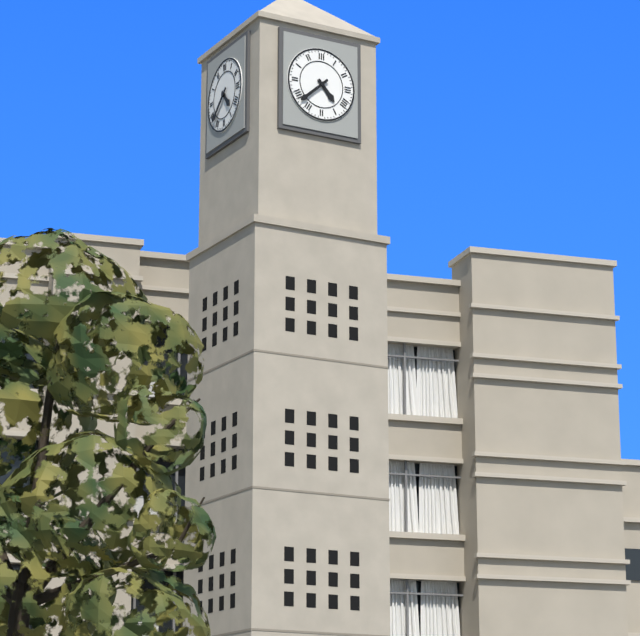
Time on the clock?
4:38
